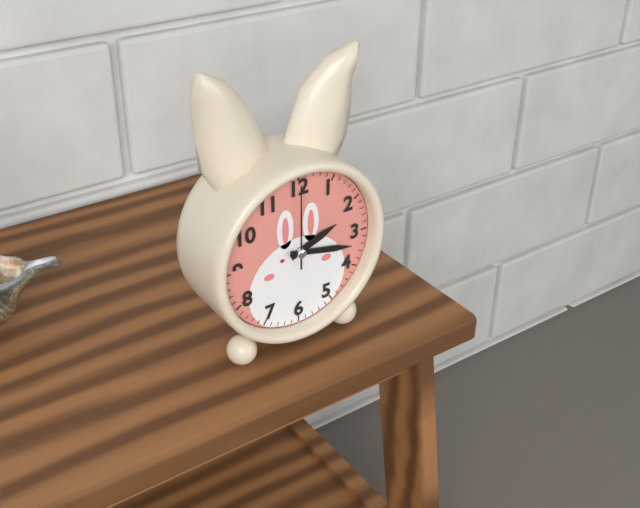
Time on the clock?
2:17:00
